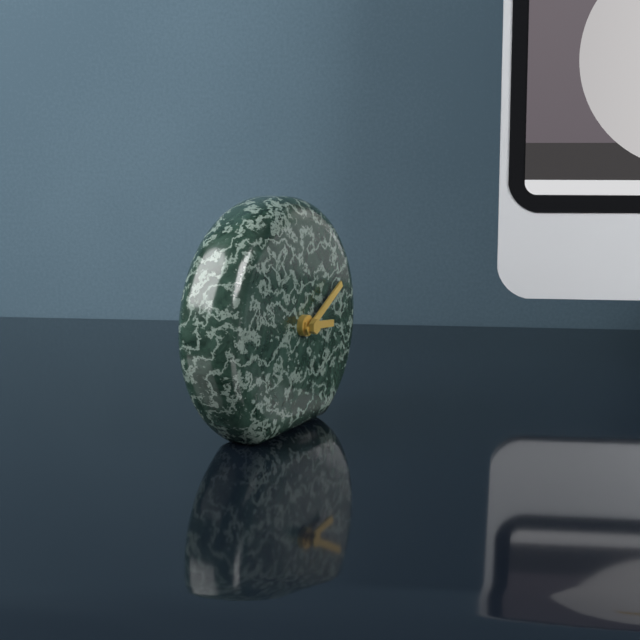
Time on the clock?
3:10
